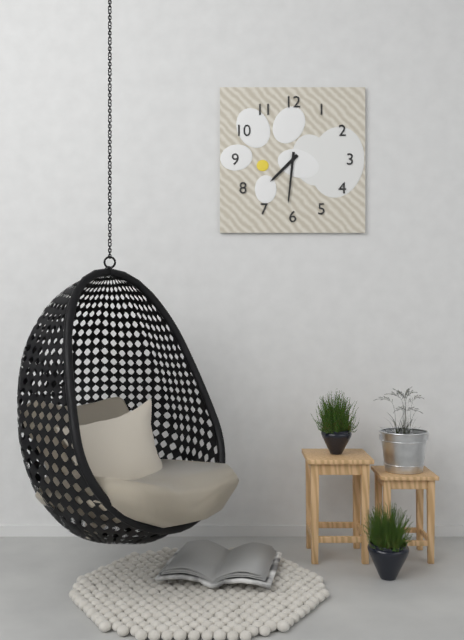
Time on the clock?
7:31
